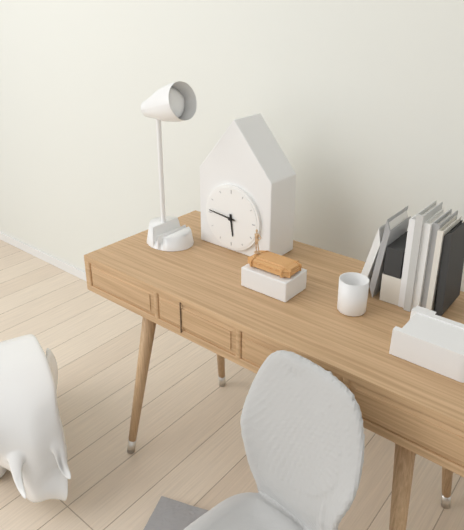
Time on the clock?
5:46
